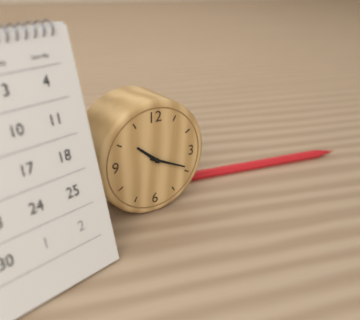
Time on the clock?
10:19
